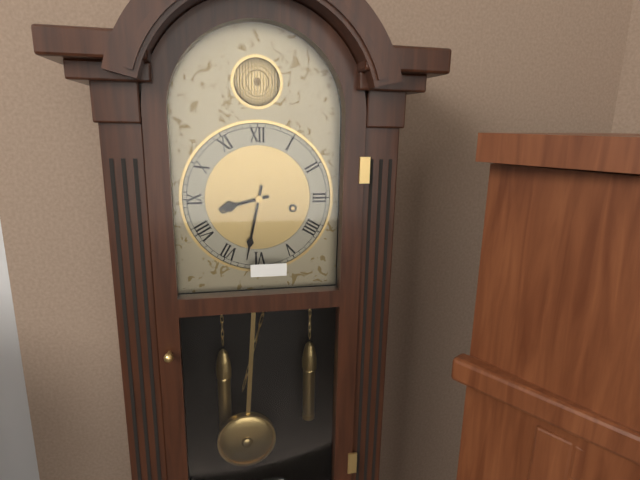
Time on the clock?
8:32
